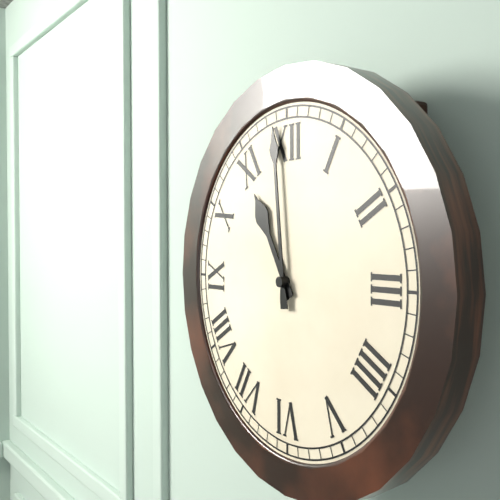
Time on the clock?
10:59
